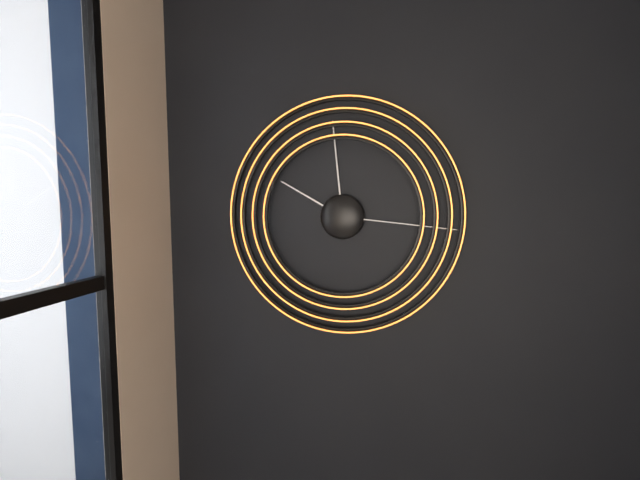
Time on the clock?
9:59:16
